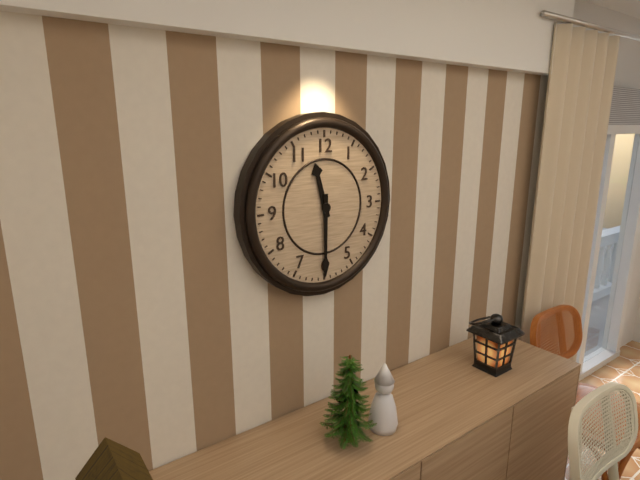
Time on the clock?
11:30
